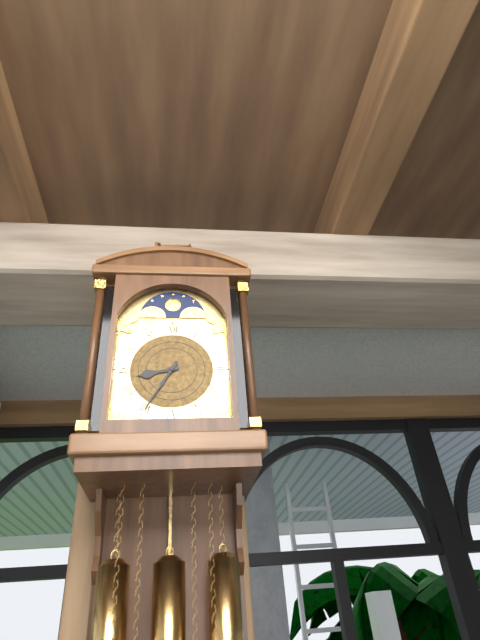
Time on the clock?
8:35
